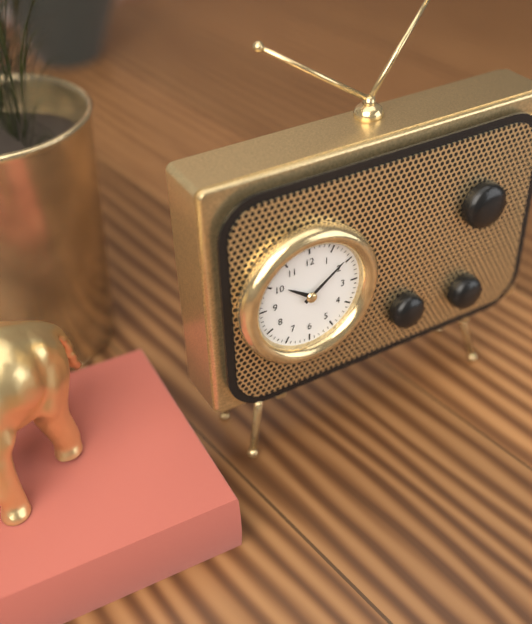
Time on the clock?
10:09
